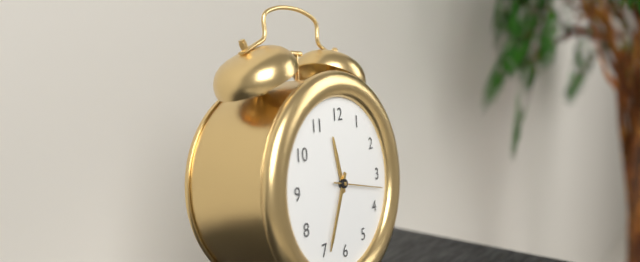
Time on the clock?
11:34:17
